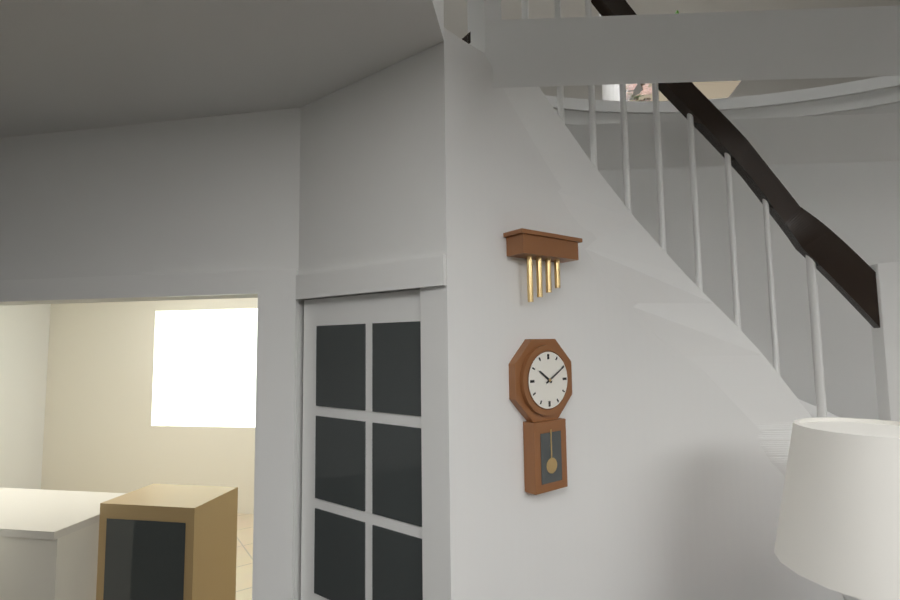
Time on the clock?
10:10
